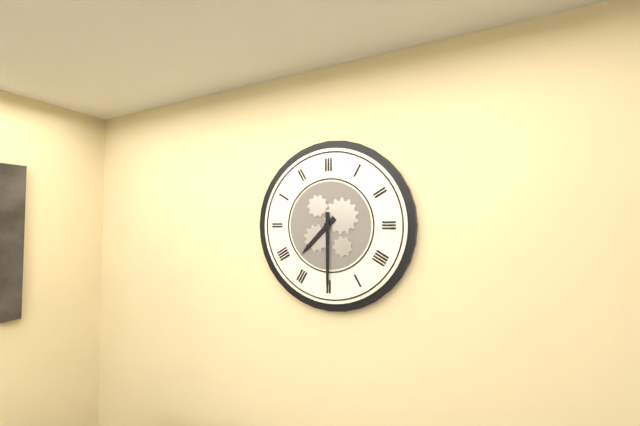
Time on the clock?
7:30
